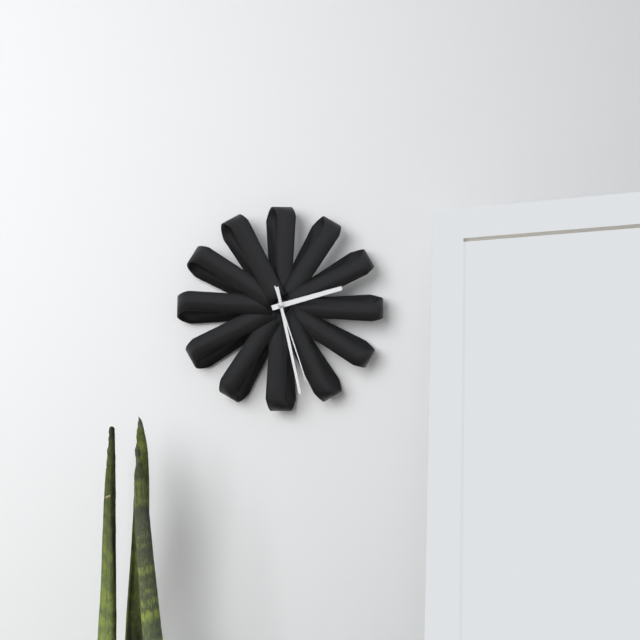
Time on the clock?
2:28:27
